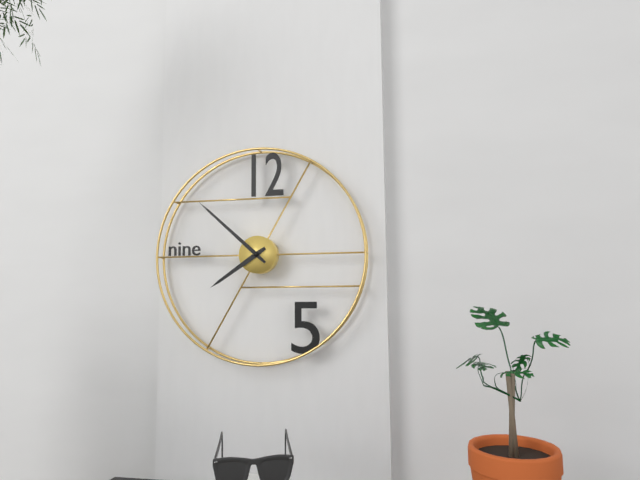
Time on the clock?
7:52
